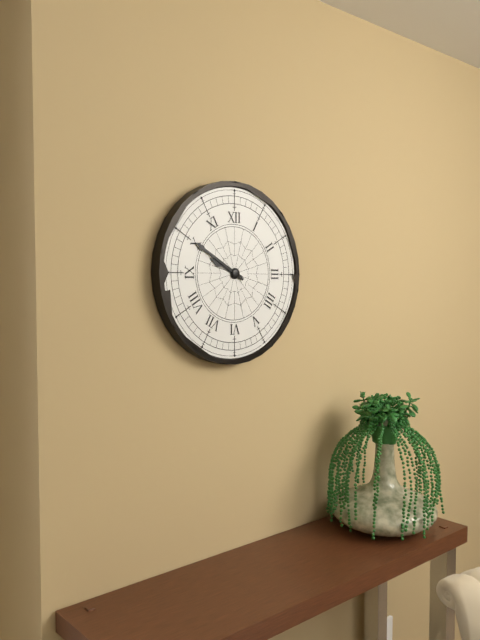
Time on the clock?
9:50
